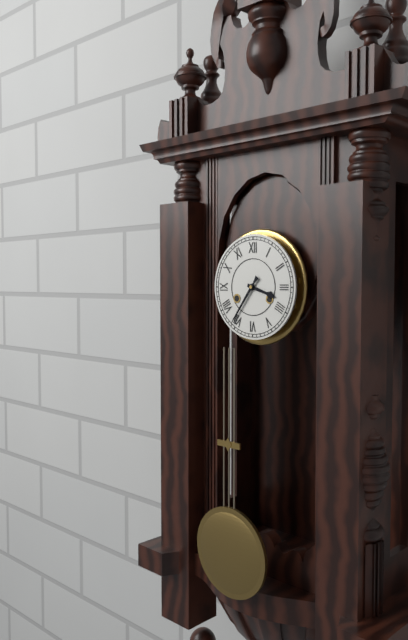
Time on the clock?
3:36
